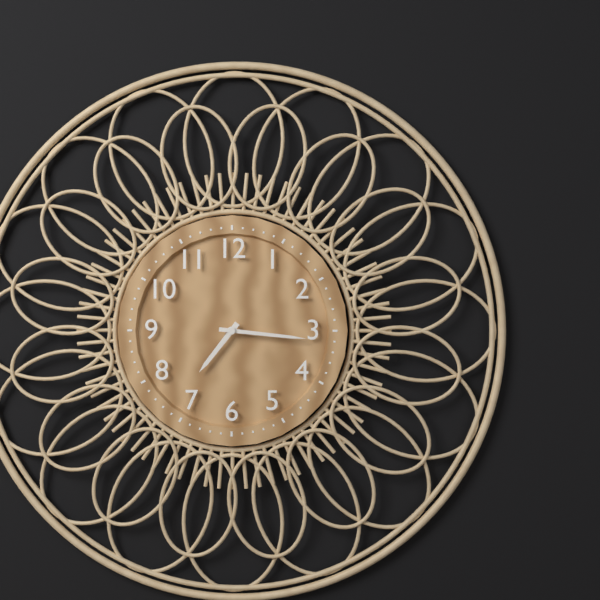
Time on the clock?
7:16
